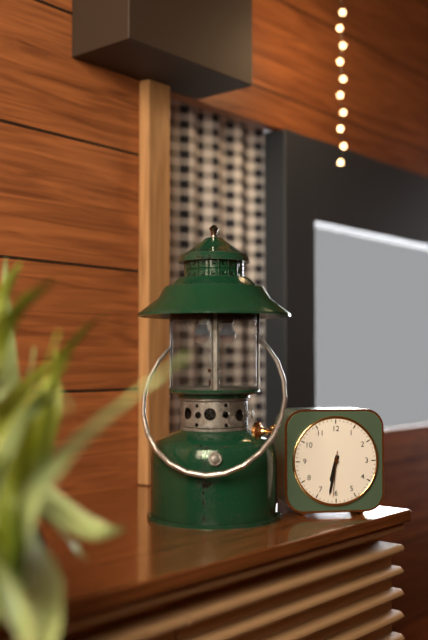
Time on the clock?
6:32:31
